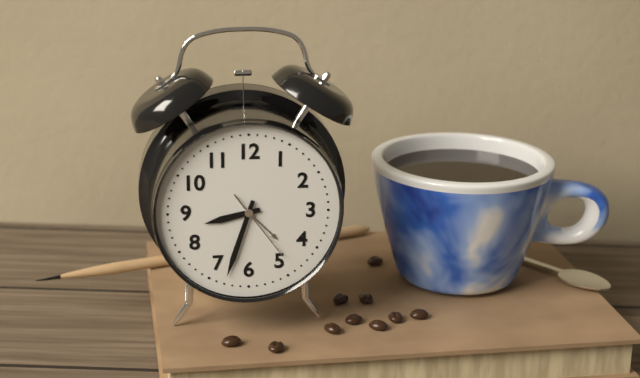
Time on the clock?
8:33:24
